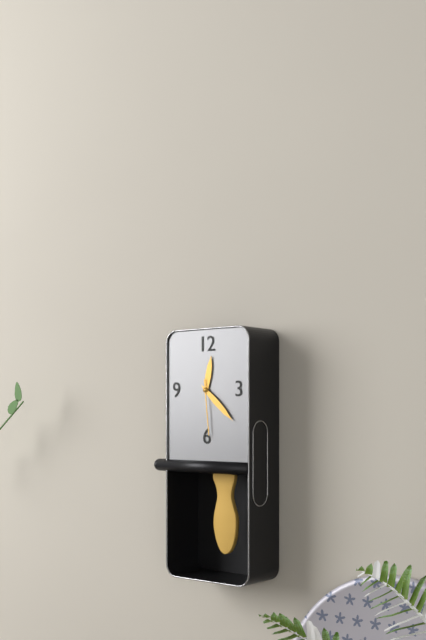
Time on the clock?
12:22:29
